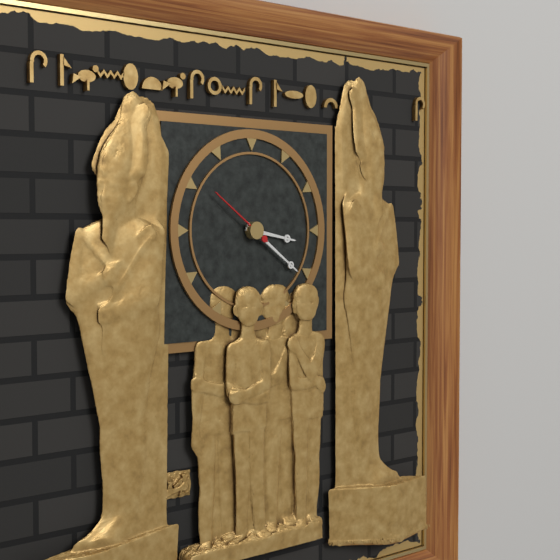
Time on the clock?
3:21:51
